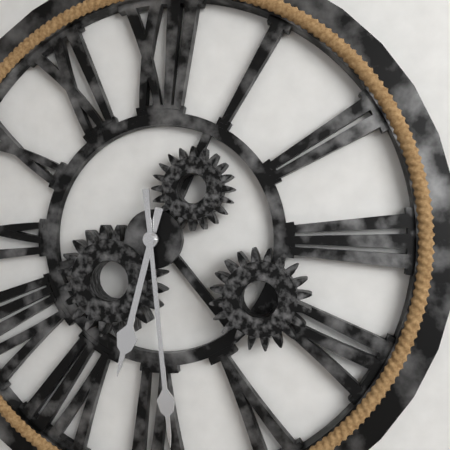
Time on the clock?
6:29
